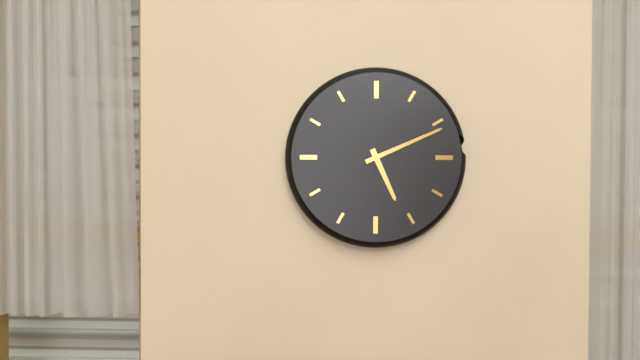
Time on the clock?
5:11
